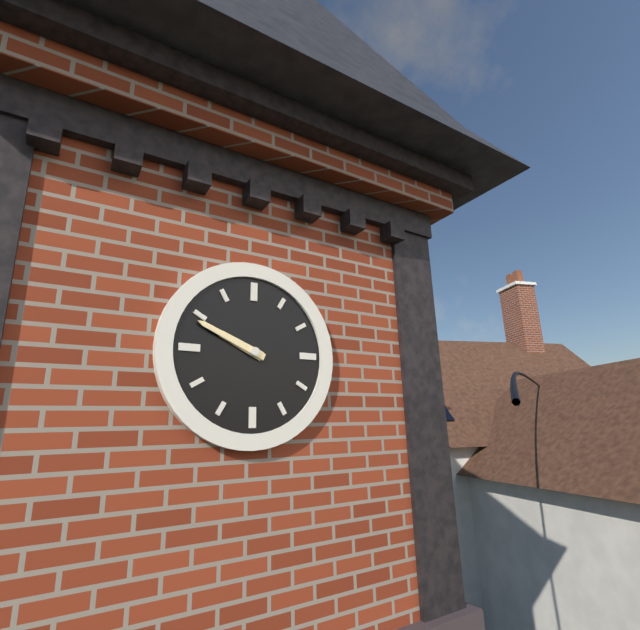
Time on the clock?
9:49
